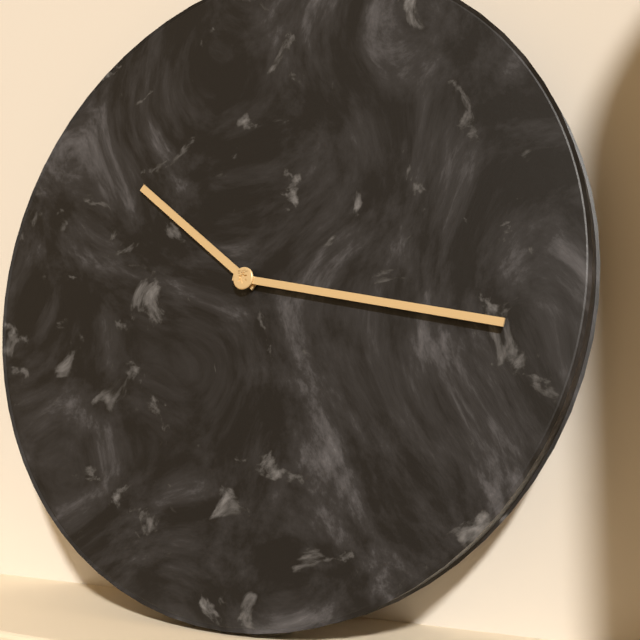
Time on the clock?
10:17
